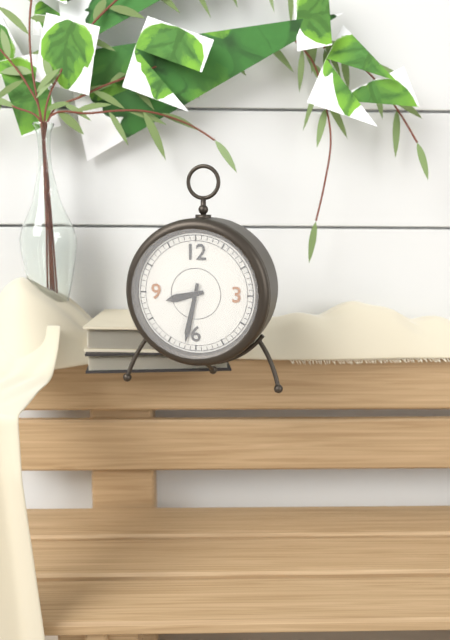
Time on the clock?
8:32
